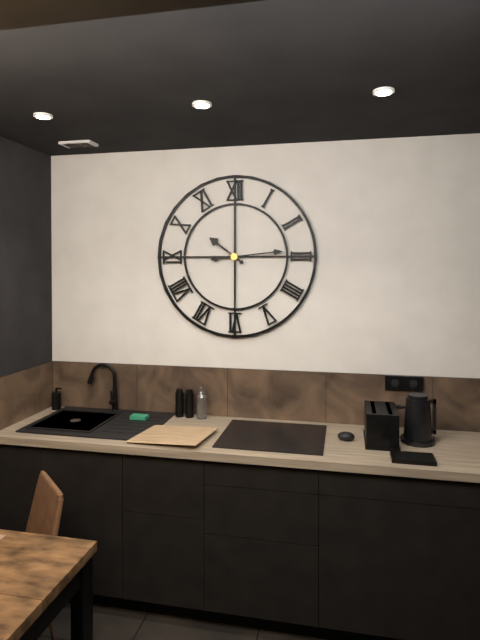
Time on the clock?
10:14
